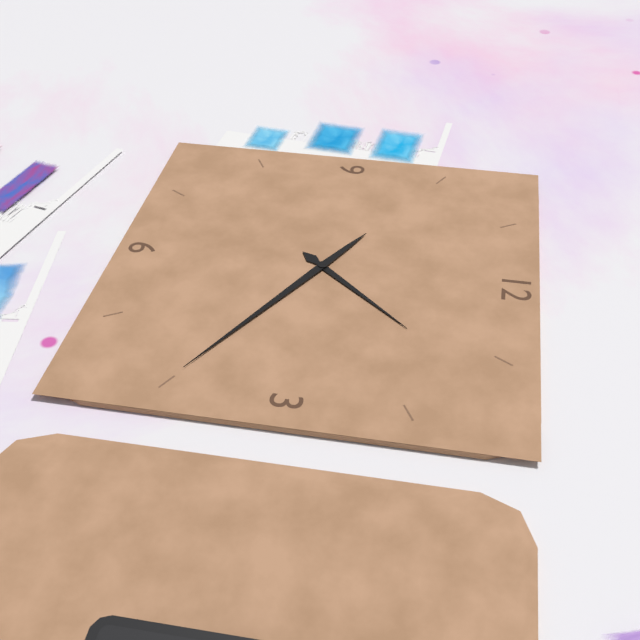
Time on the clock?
1:20
